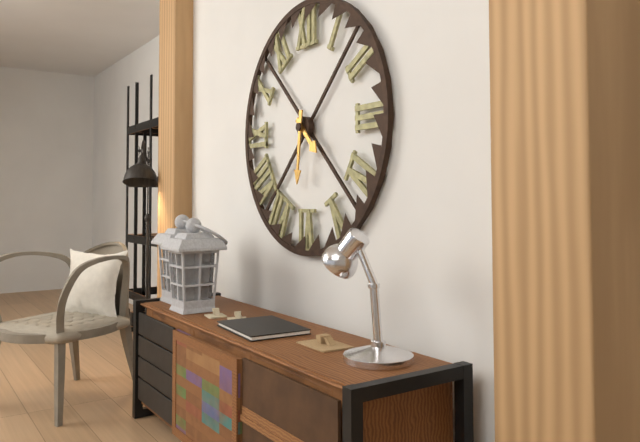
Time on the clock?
4:31
